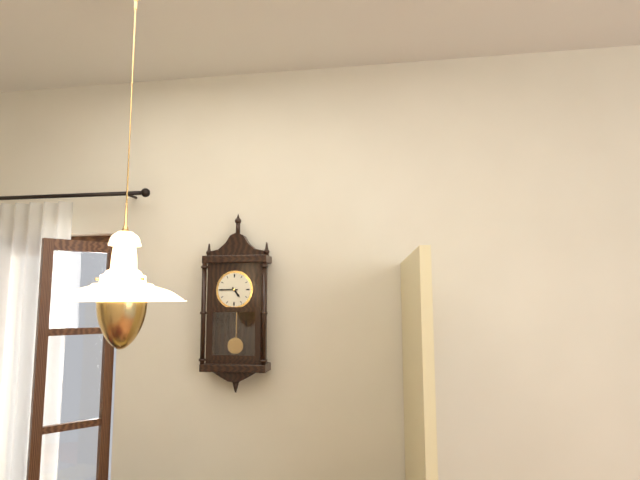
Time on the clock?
4:45
